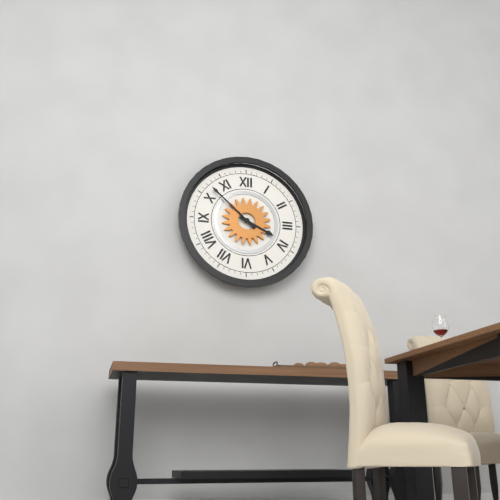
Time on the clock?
3:52
